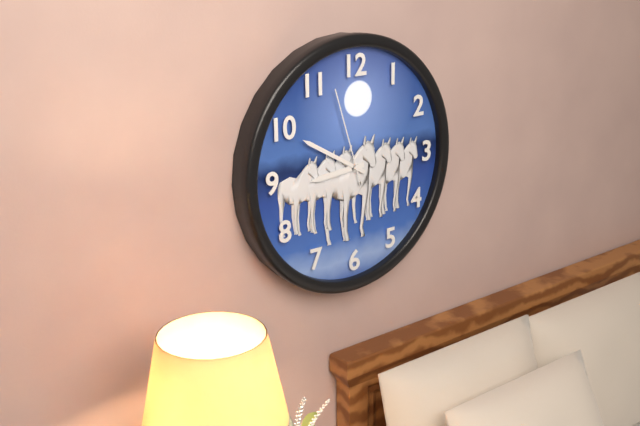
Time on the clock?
8:50:57
